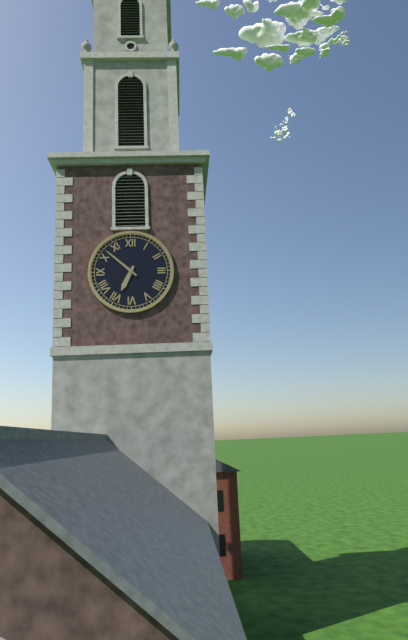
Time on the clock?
6:52
